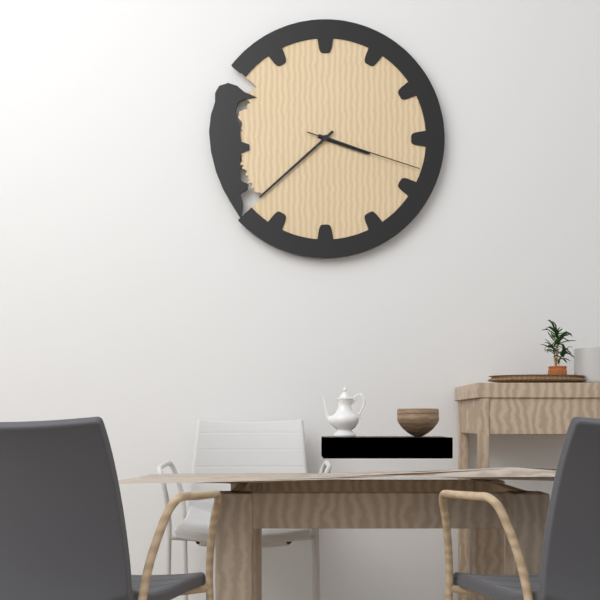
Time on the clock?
3:38:18
